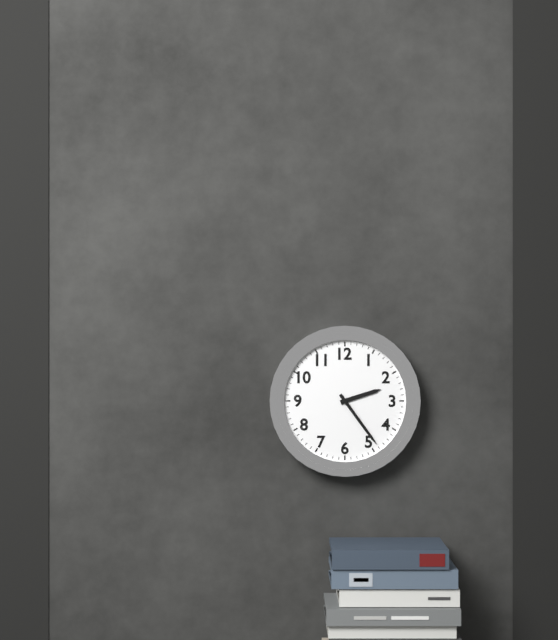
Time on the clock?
2:24
